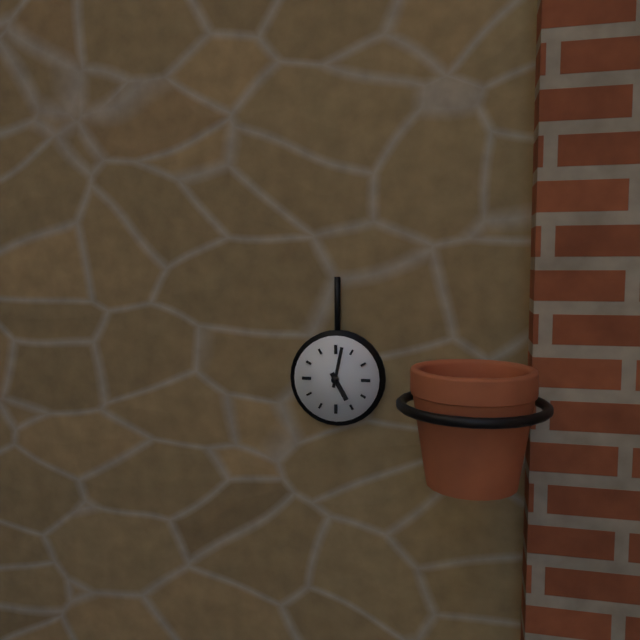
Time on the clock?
5:02
